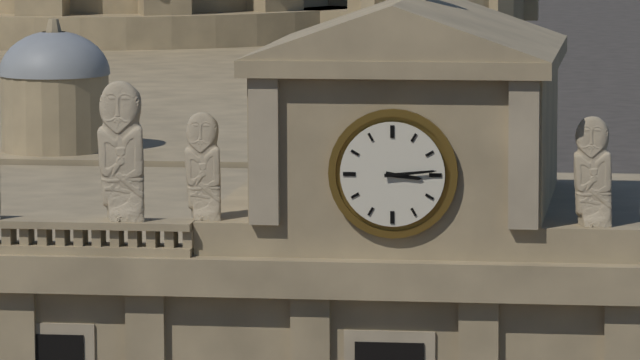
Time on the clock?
3:14
